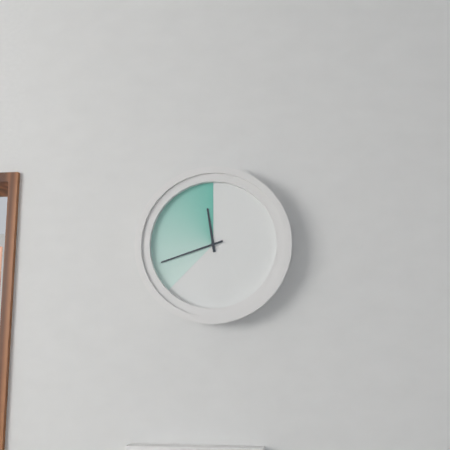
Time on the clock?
11:42
